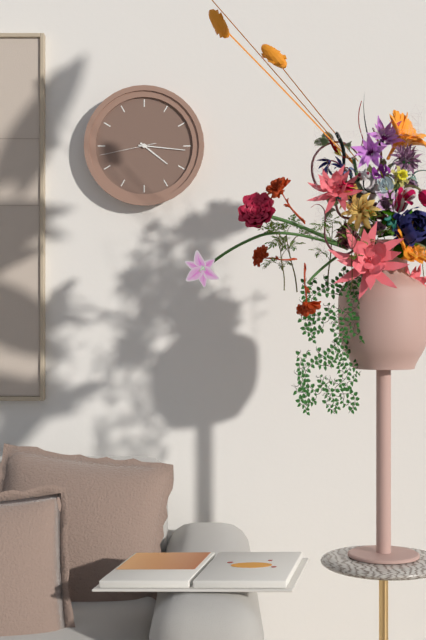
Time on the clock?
4:16:43
